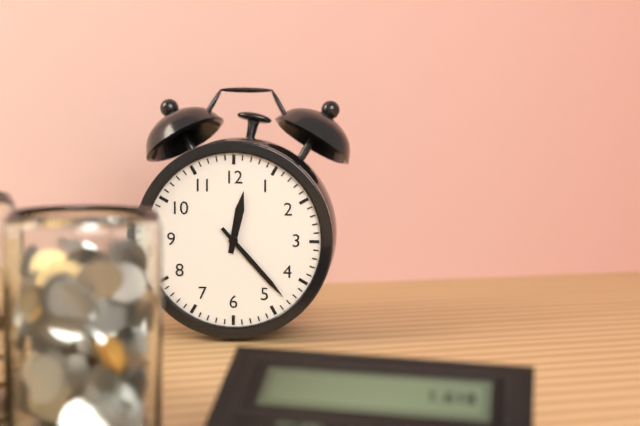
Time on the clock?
12:23
